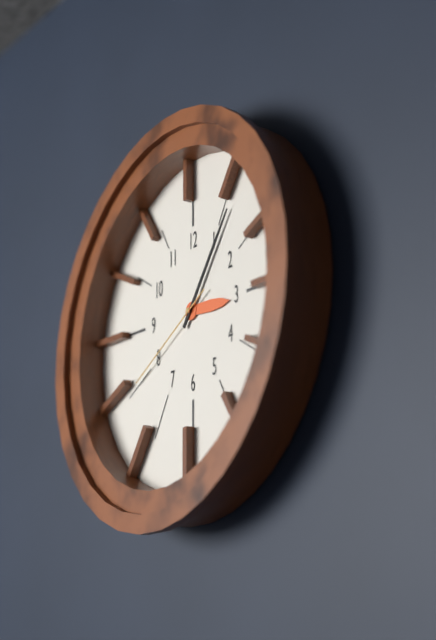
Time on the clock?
3:06:40
